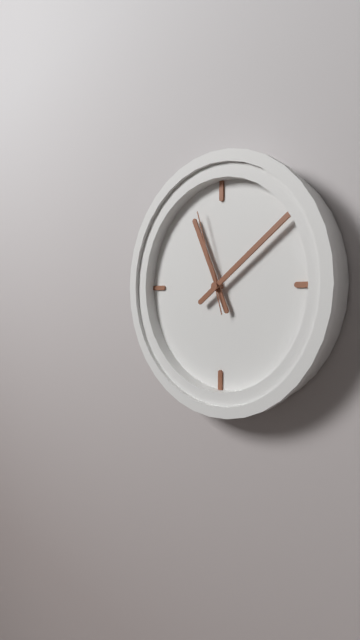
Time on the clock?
11:09:57
